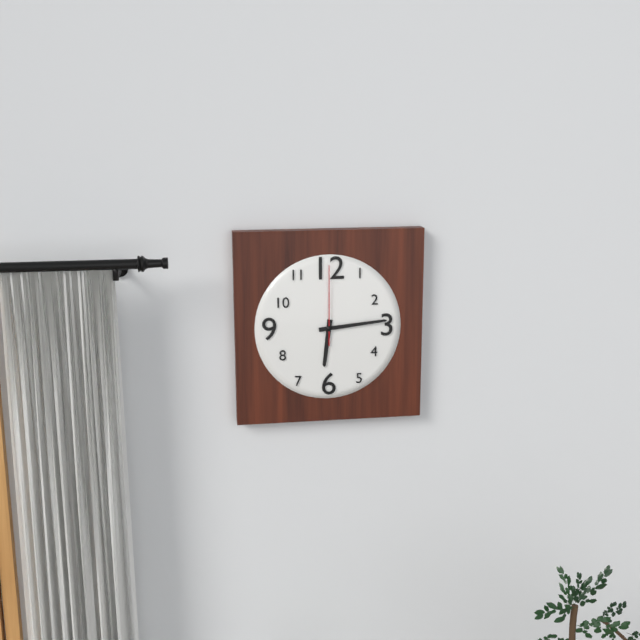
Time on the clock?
6:14:00
